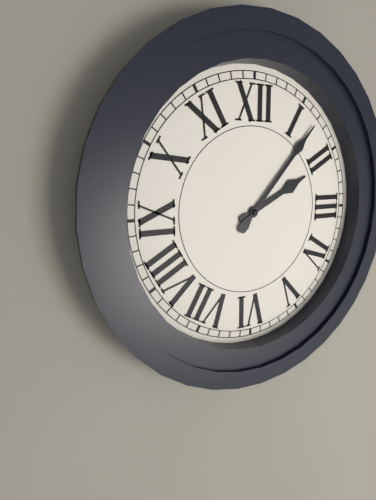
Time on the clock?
2:07
